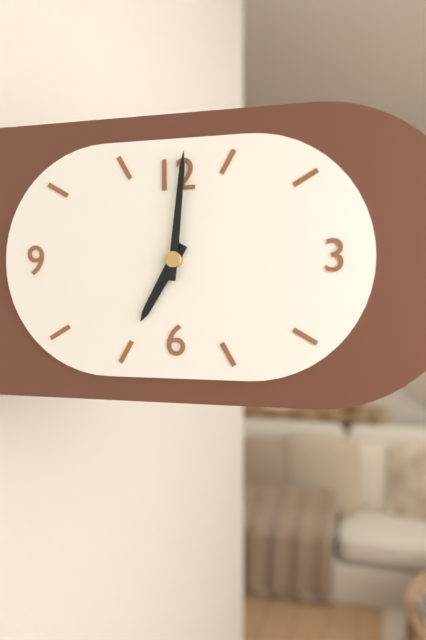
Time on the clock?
7:01
